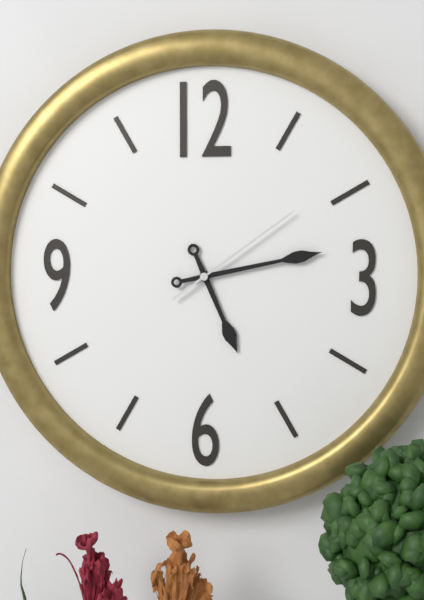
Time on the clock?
5:13:09
